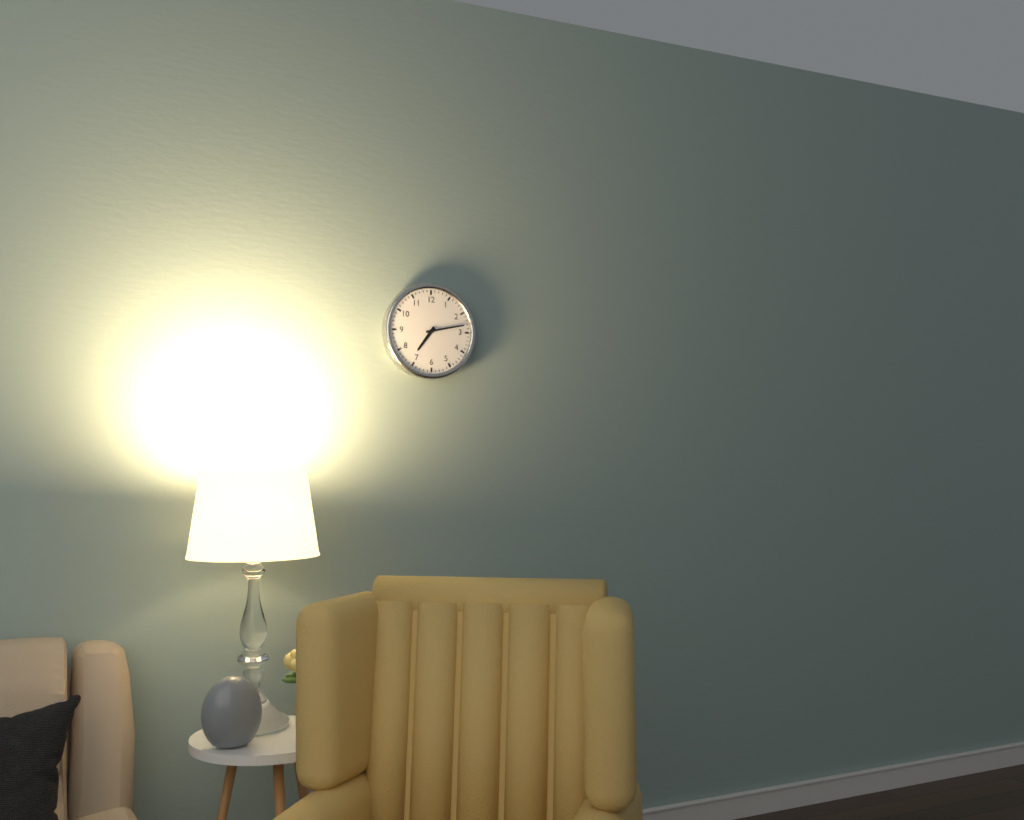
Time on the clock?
7:13
